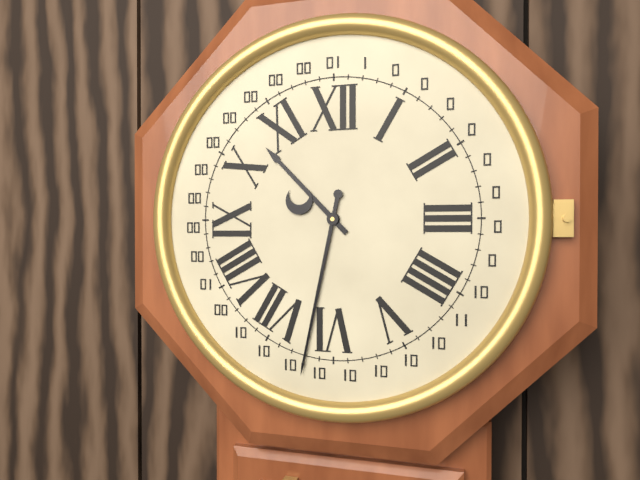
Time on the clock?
10:32
